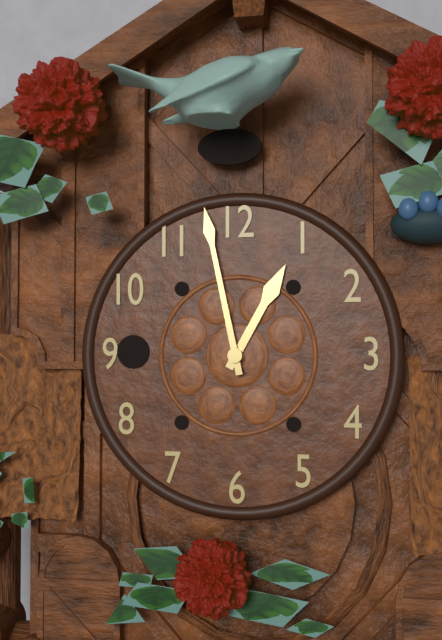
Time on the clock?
12:58
